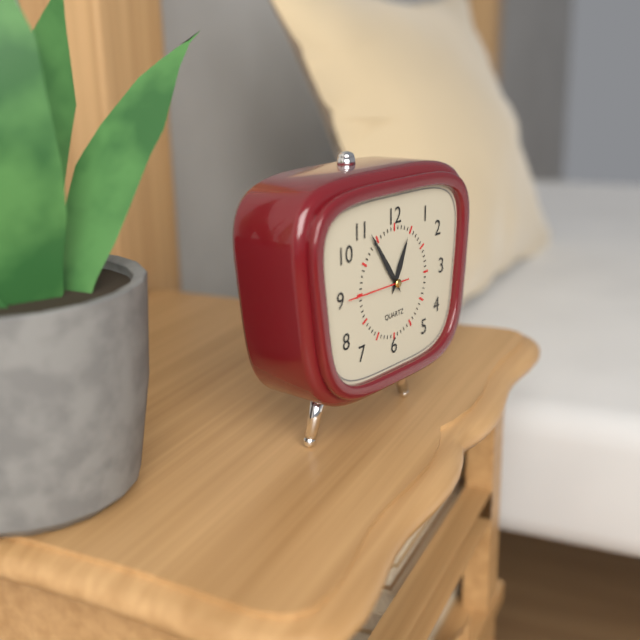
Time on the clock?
12:54:45
